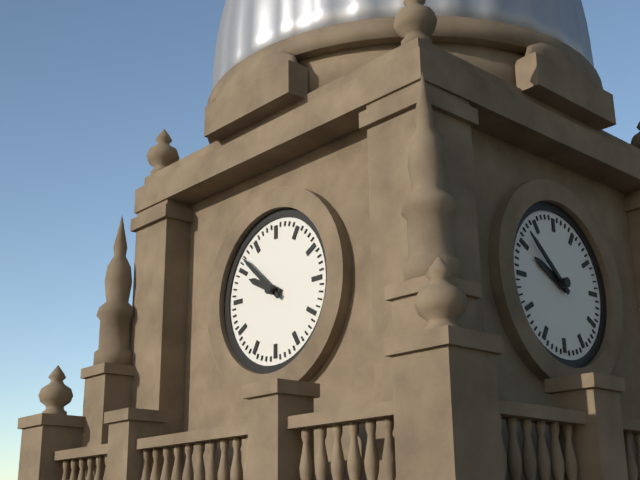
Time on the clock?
9:52
